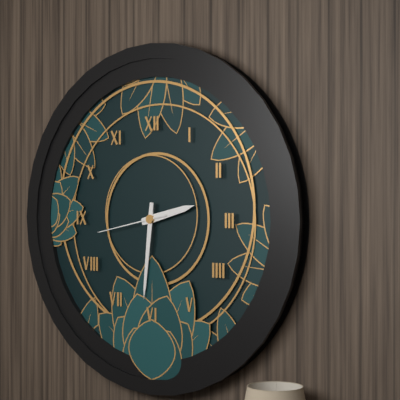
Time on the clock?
2:31:43
